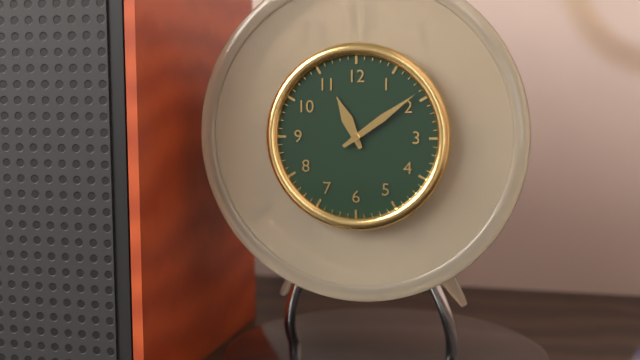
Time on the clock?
11:09
